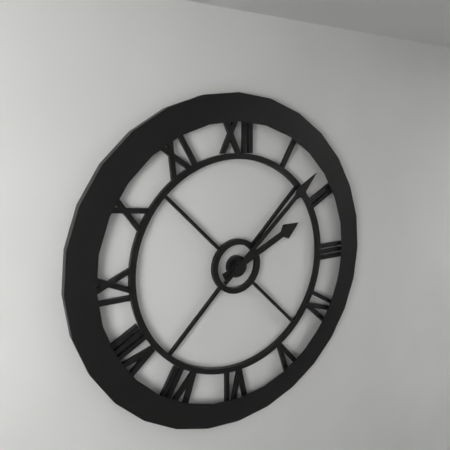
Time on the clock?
2:08
